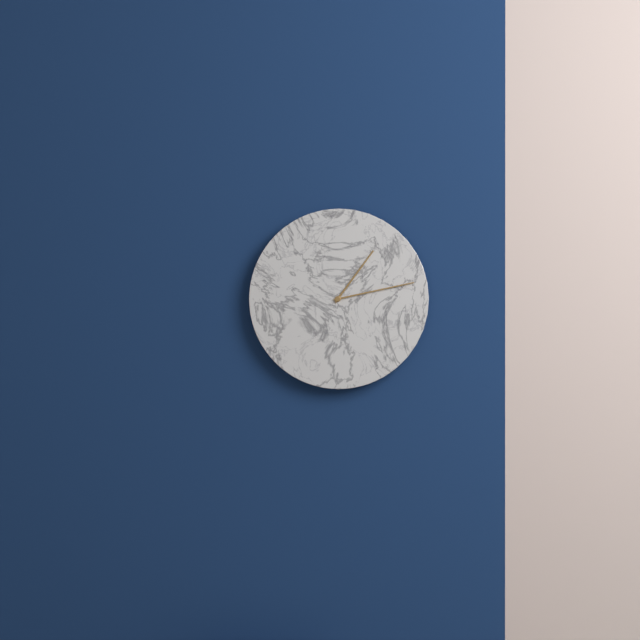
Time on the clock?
1:13
